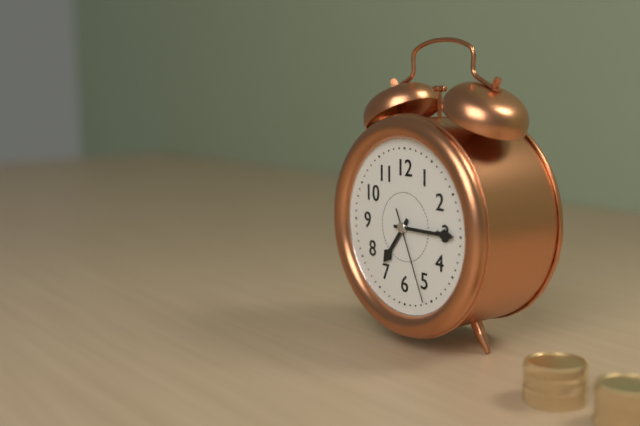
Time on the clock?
7:15:26
